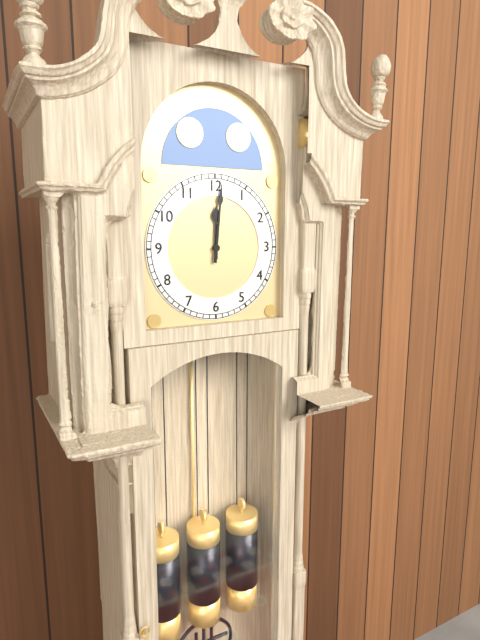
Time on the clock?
12:01
